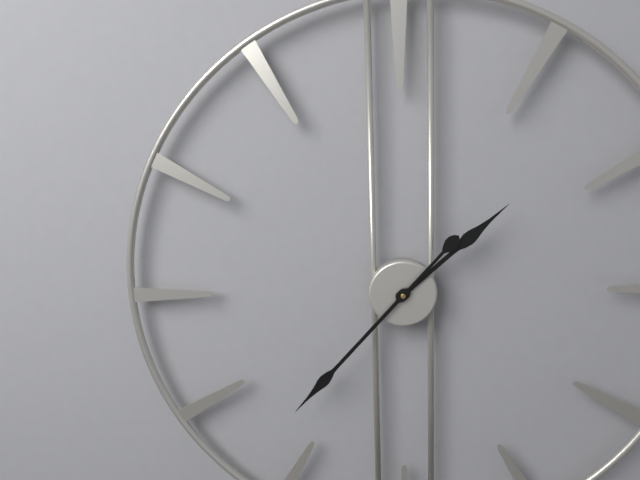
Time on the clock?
1:37
